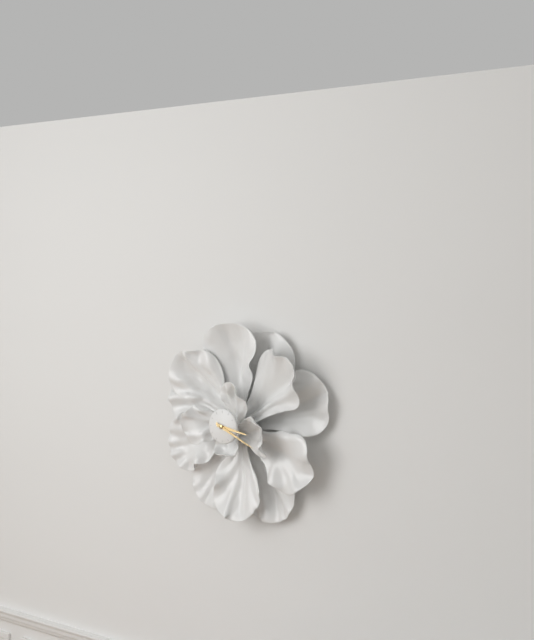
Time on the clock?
3:19
